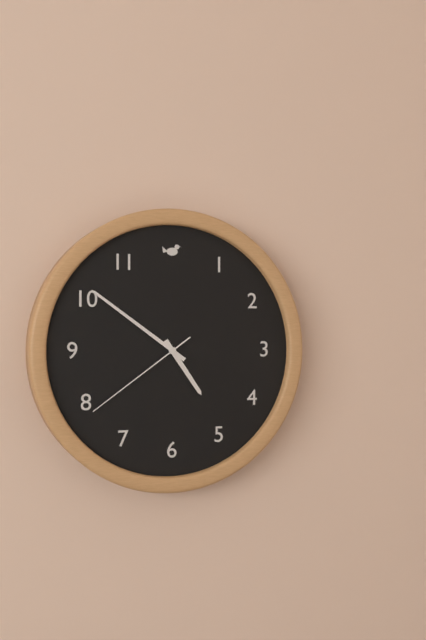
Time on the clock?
4:51:39
